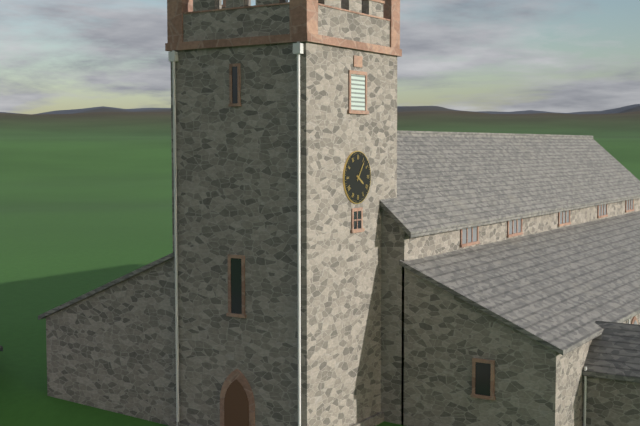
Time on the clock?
4:06
